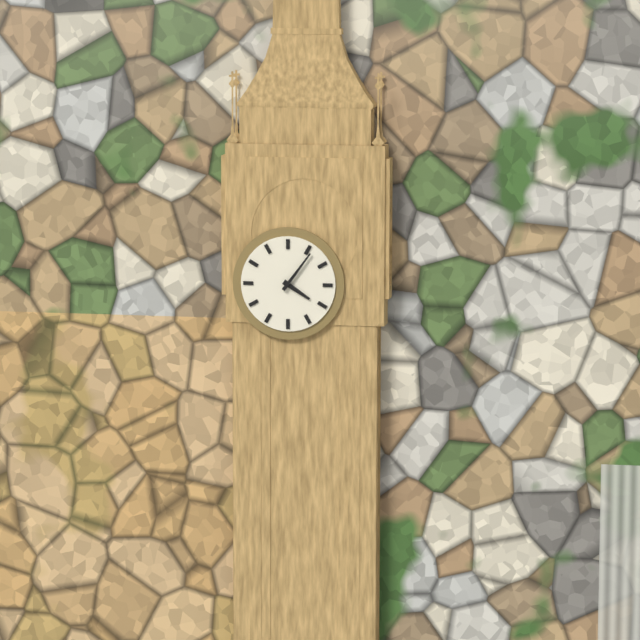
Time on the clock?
4:06
